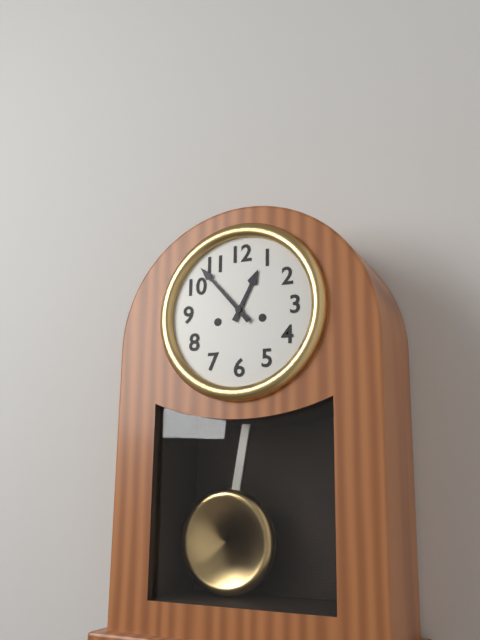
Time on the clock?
12:53
